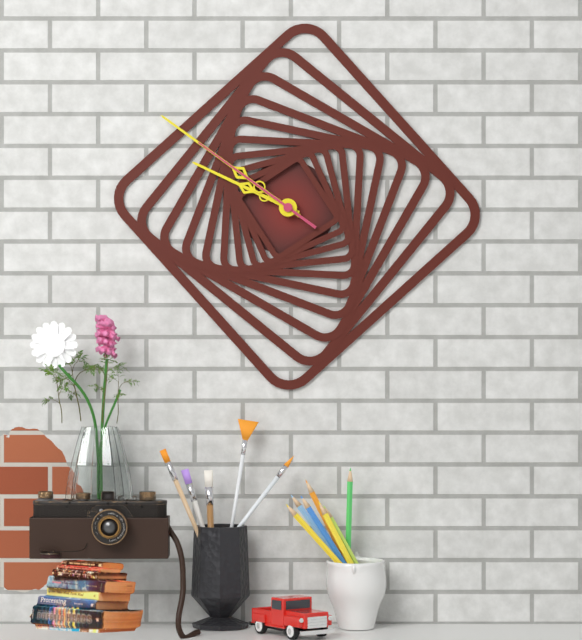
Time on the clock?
9:51:51
